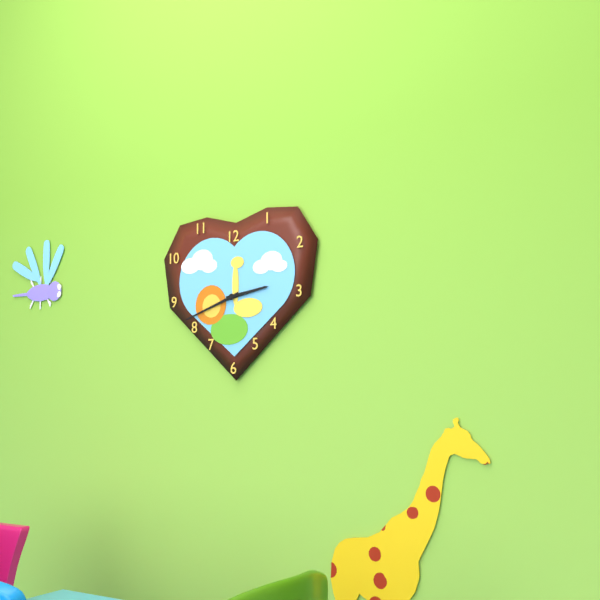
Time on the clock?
2:42
